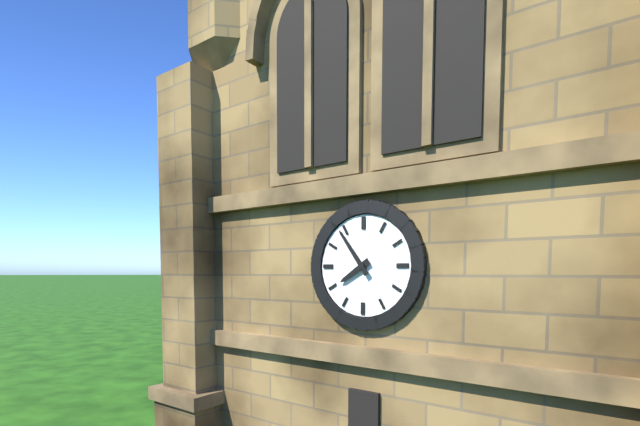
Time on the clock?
7:54
